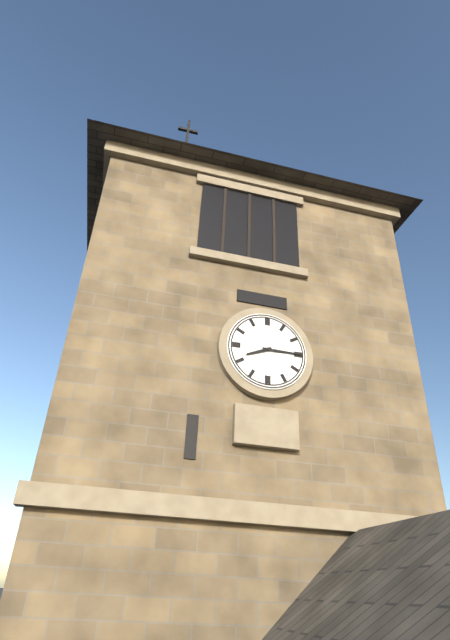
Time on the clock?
8:15
